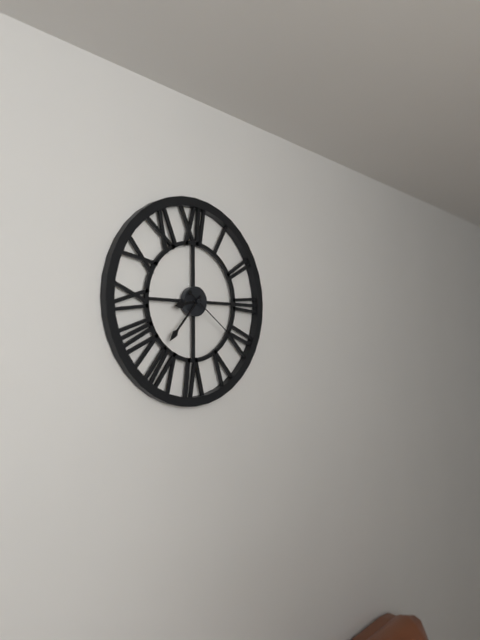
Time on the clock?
8:37:21
